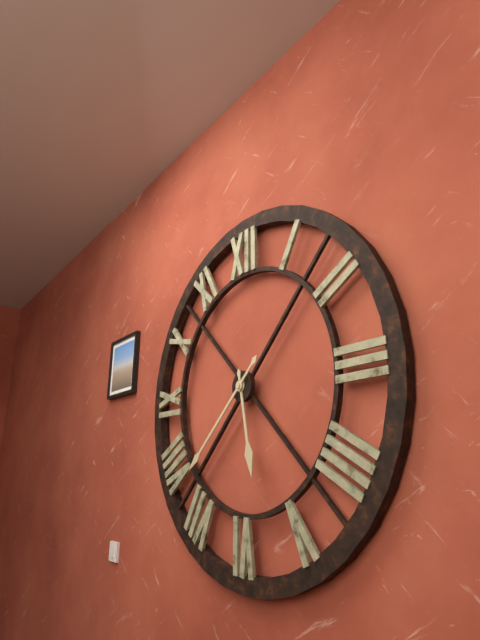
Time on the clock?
5:38
